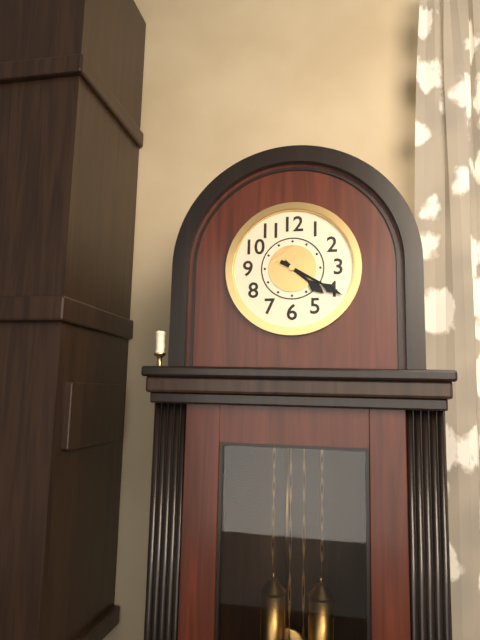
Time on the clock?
4:20
